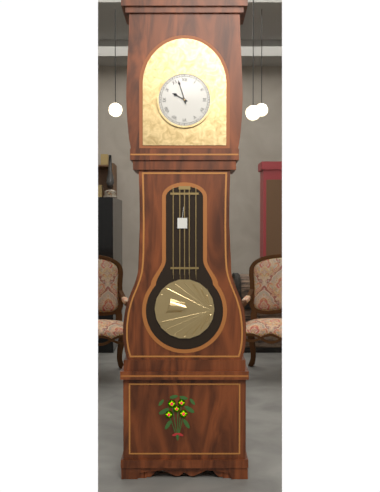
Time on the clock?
9:57
